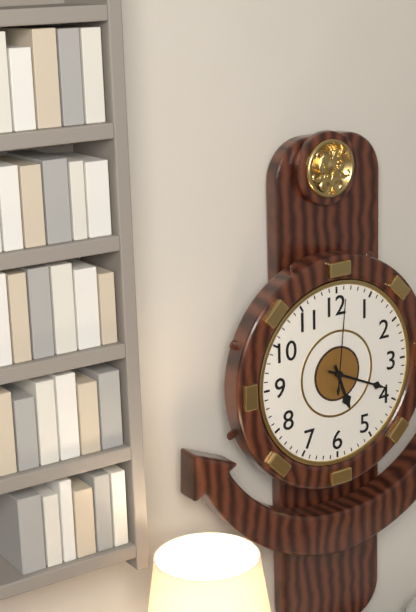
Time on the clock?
5:19:01
